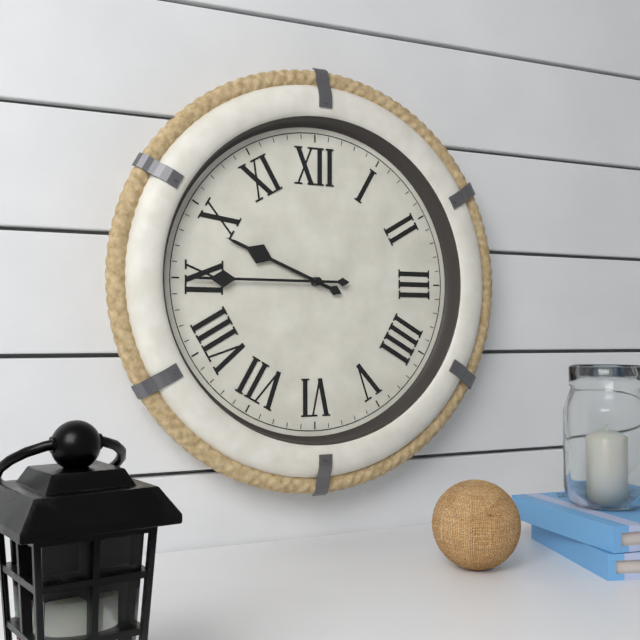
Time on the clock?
9:45
